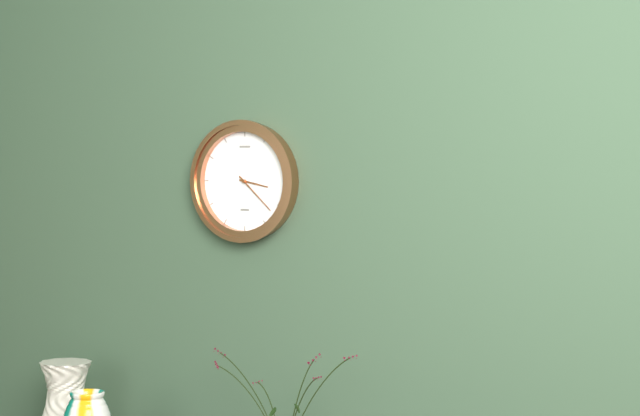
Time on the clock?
3:22
